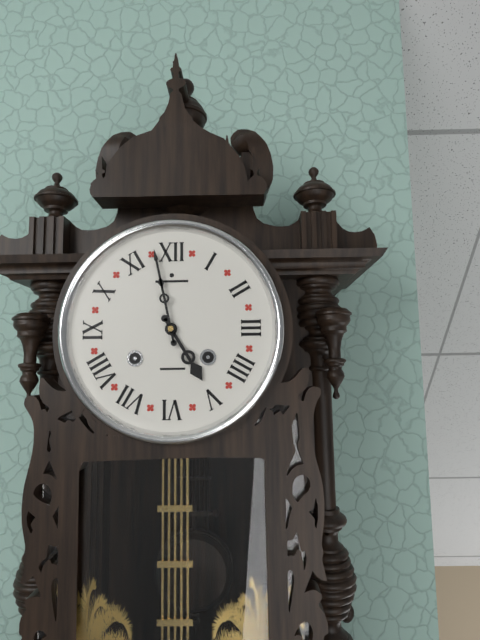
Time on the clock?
4:58
